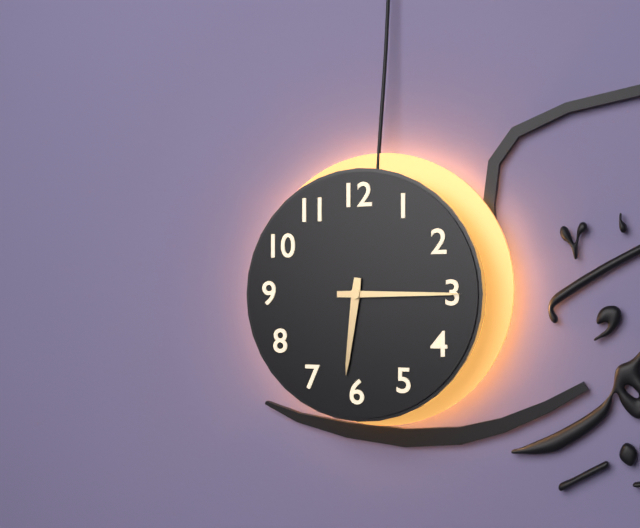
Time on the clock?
6:15
